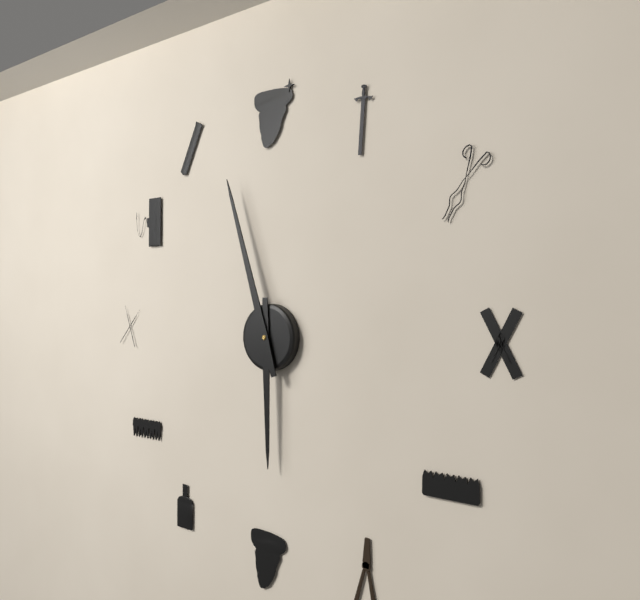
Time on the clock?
5:57
